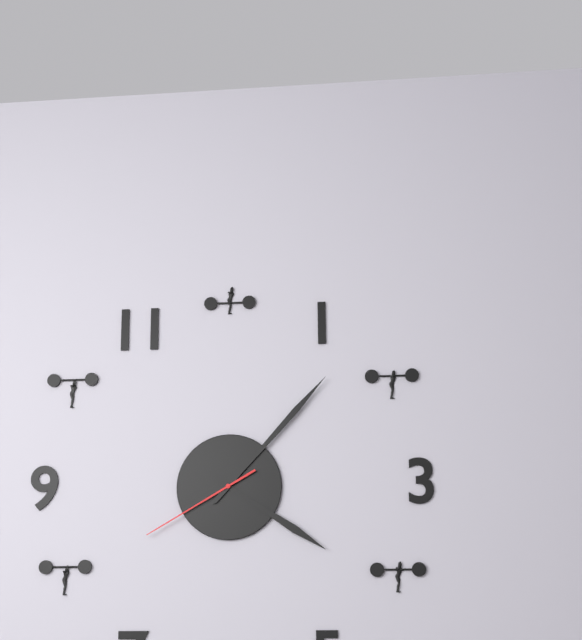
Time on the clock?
4:07:40
